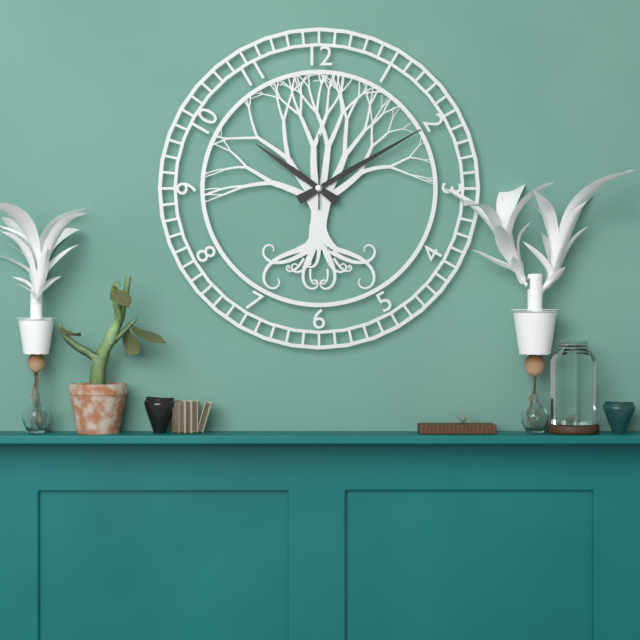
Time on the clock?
10:10:00
